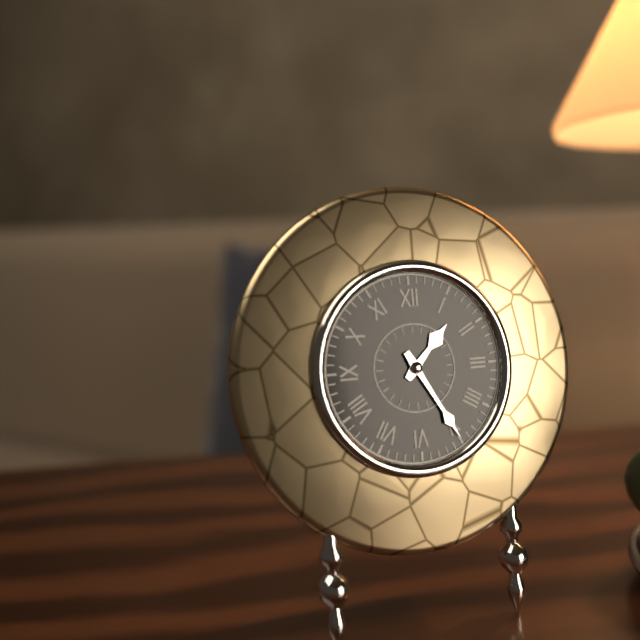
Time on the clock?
1:25
